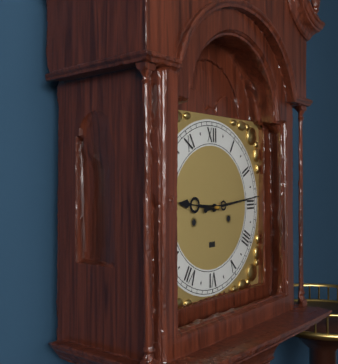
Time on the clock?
9:14
